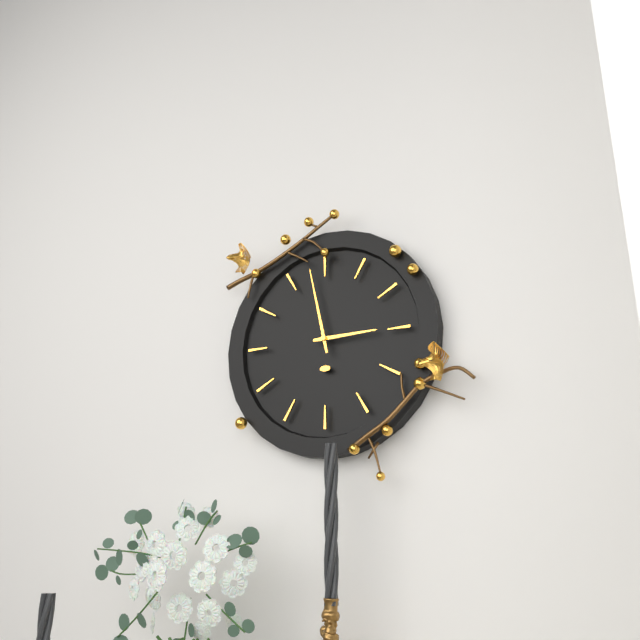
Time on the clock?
2:58
